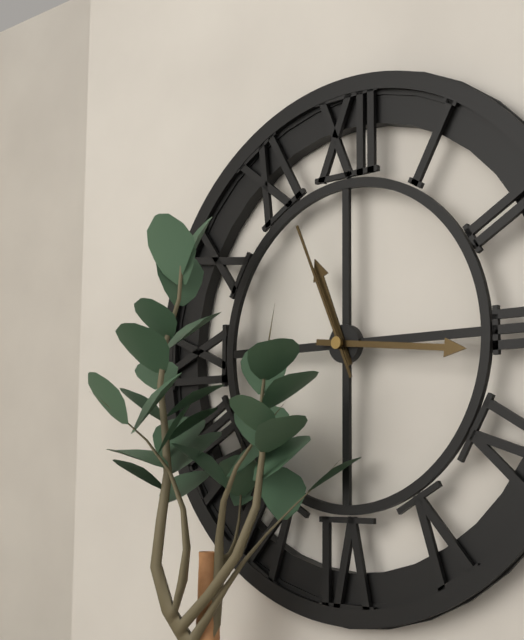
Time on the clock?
11:16:56
